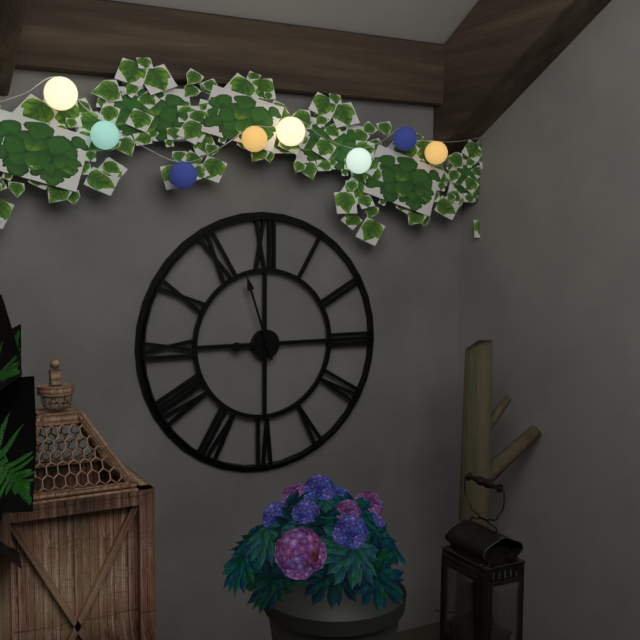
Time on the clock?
8:57
